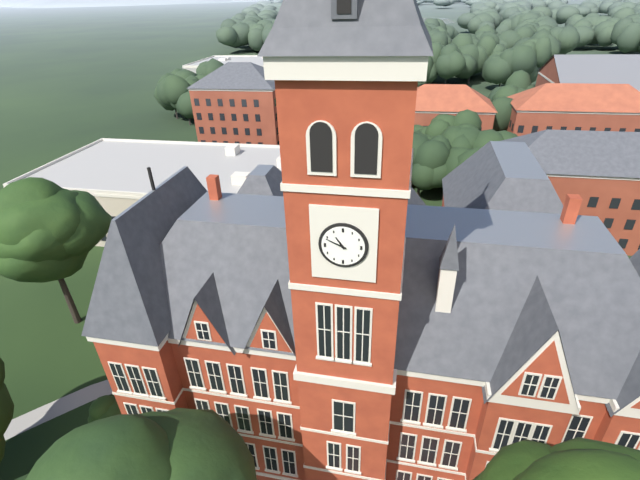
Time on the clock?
10:49
